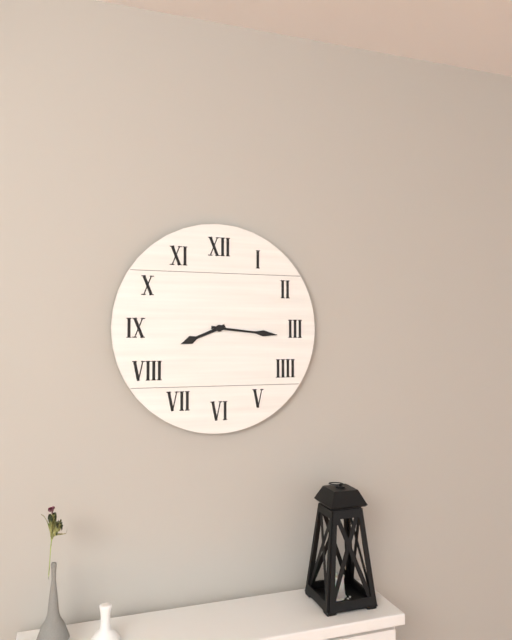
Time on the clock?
8:16
